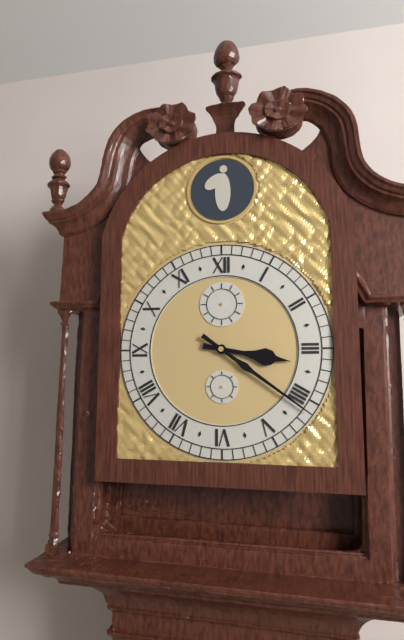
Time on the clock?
3:21
